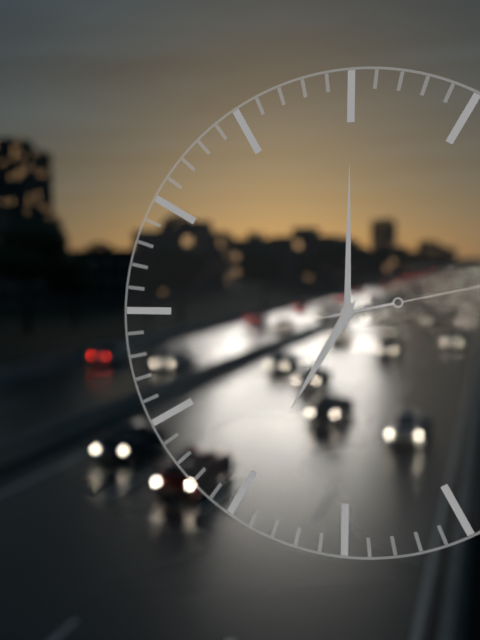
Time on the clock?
7:00
